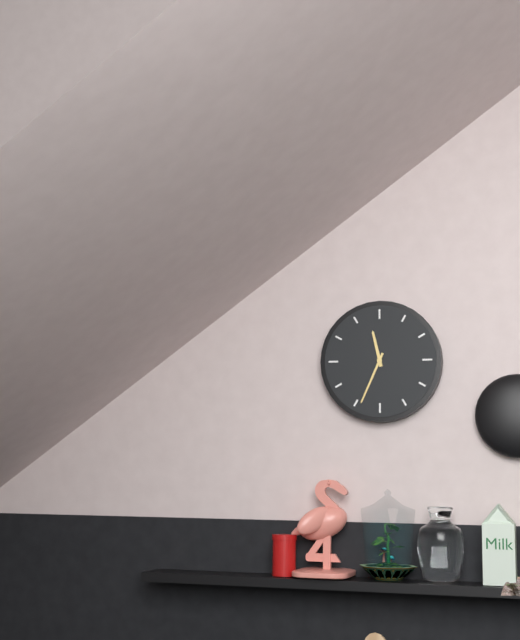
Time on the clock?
11:34
